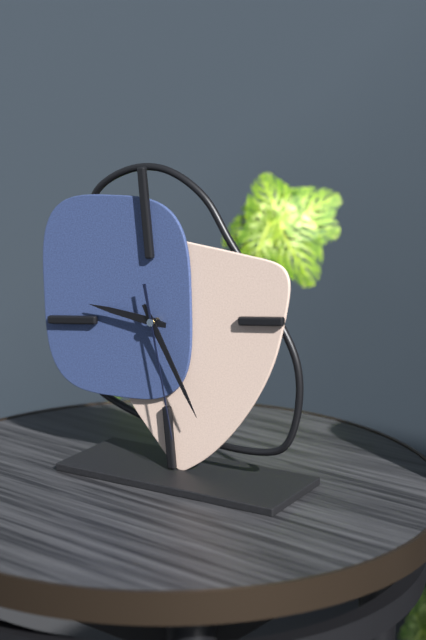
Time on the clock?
9:26:29
